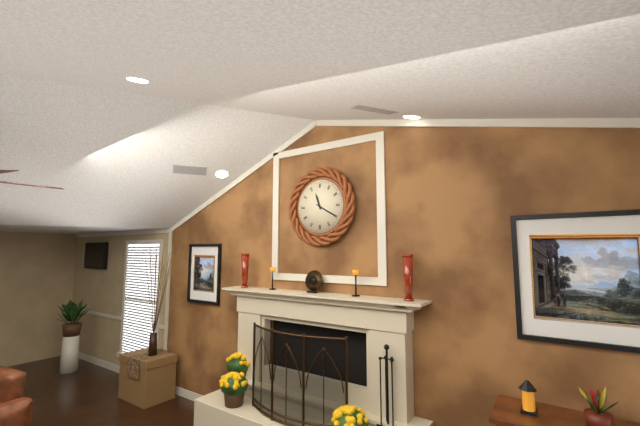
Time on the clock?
11:20
